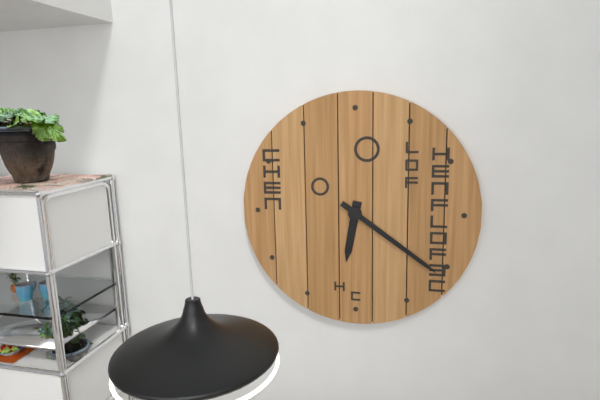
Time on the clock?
6:21
